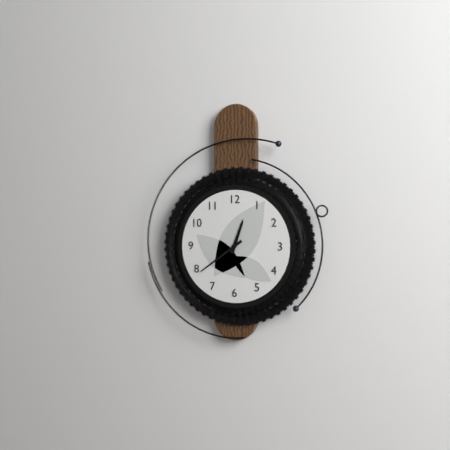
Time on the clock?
12:39
